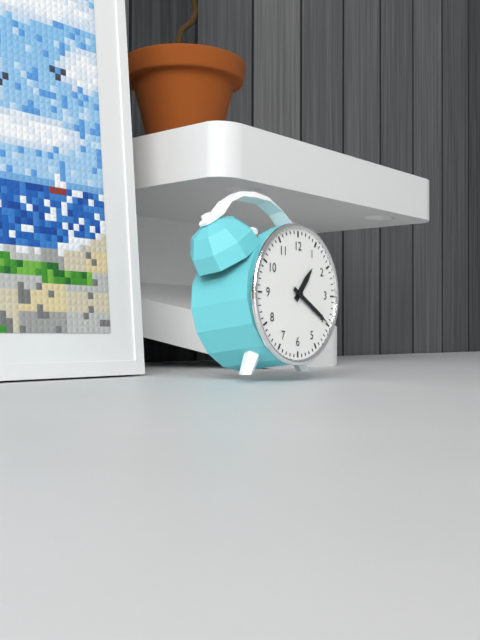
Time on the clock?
1:20
